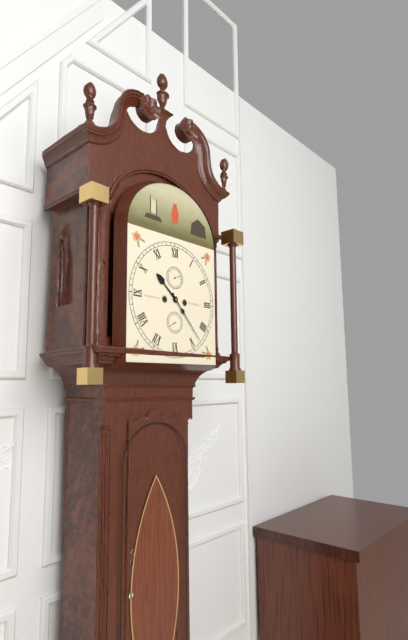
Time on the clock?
10:23
